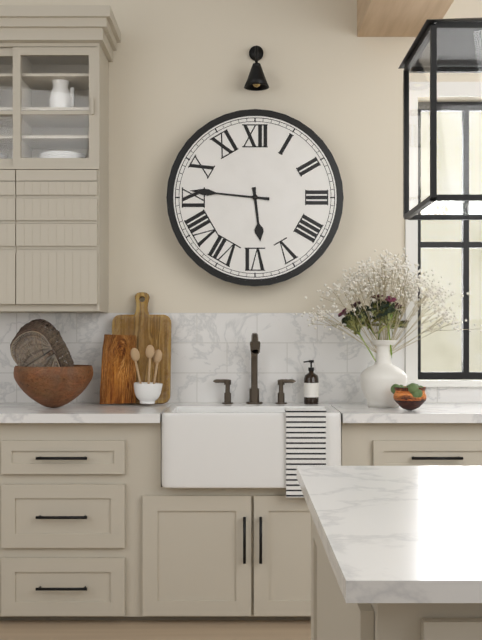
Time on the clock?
5:46
